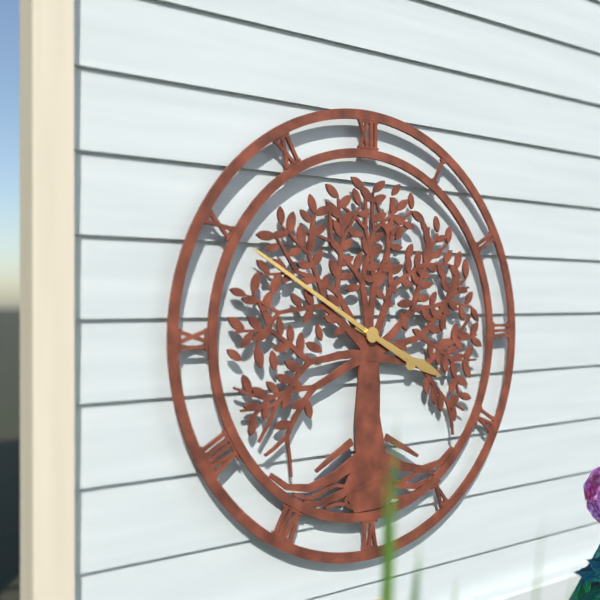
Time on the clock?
3:50
